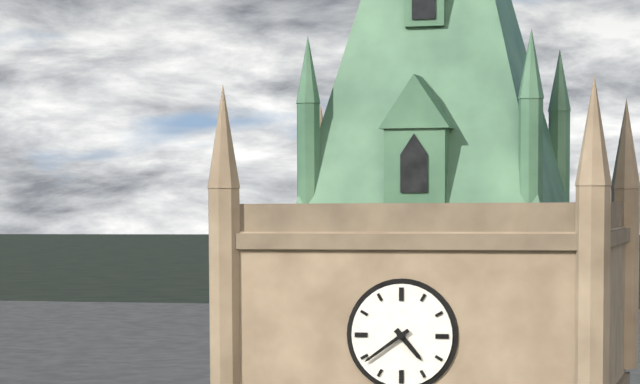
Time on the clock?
4:39
